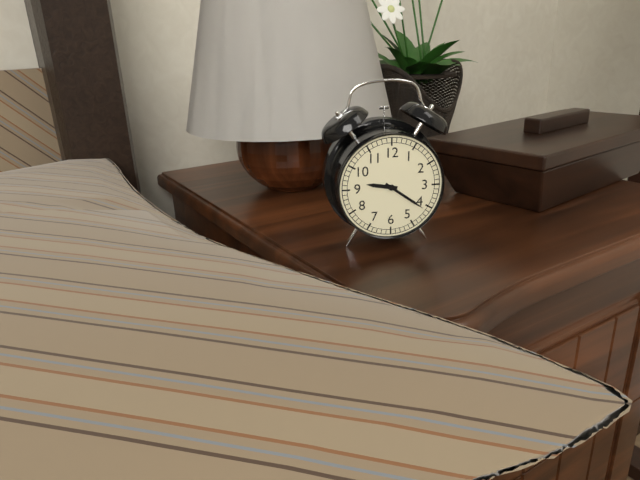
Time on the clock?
9:21
